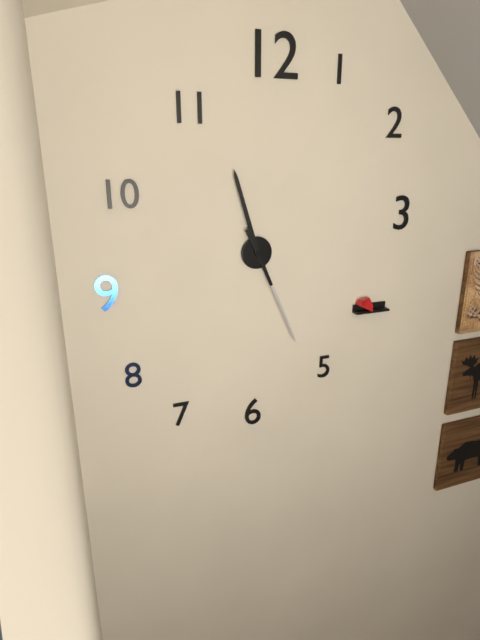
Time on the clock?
11:26
